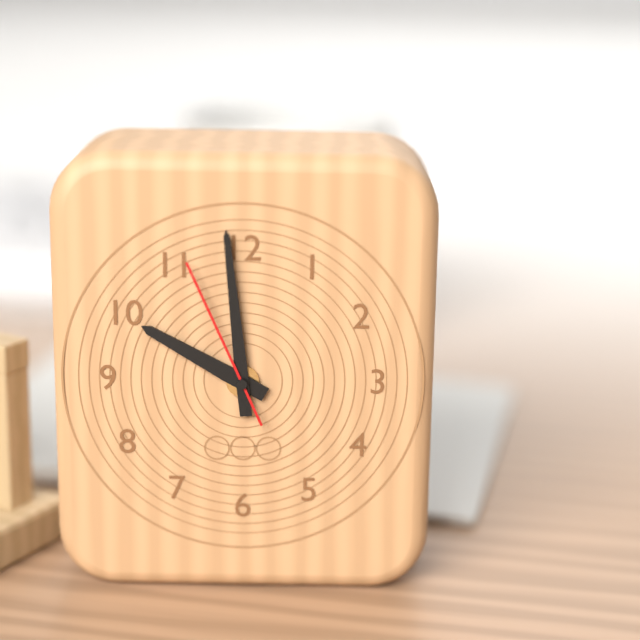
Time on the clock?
9:59:56
